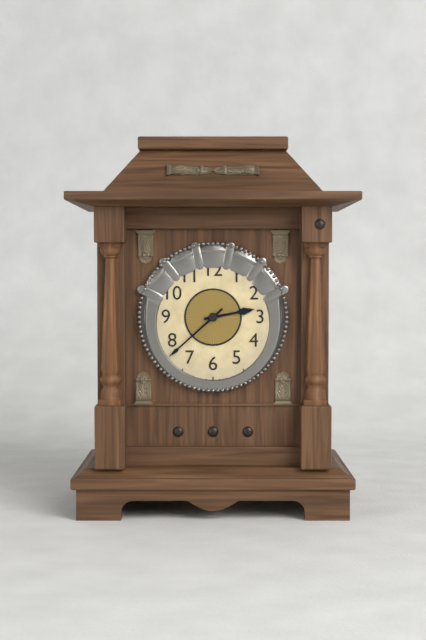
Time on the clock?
2:38
